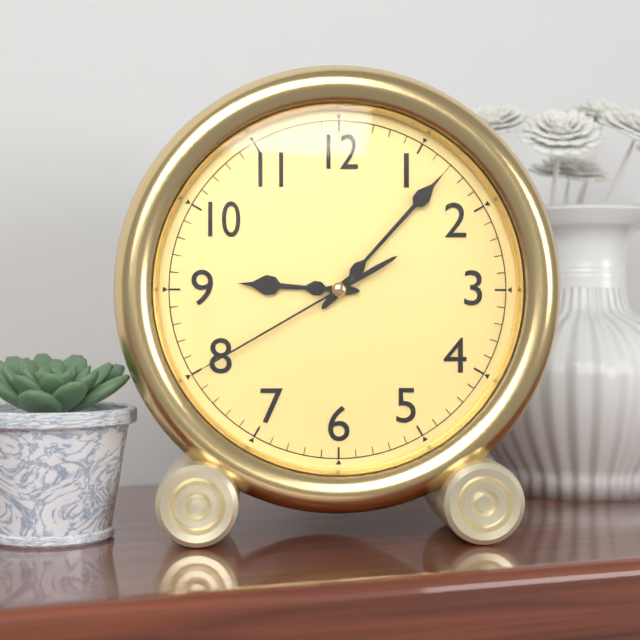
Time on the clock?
9:07:40
